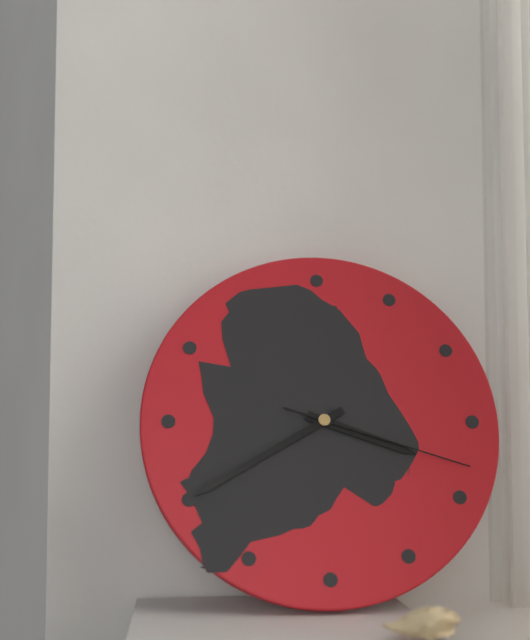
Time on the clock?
3:40:18
